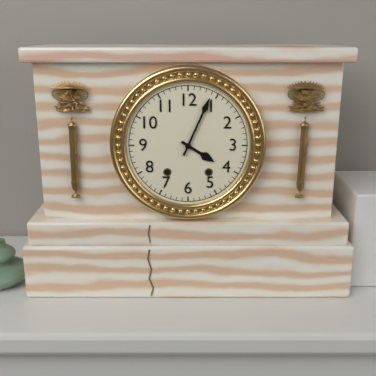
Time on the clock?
4:04
